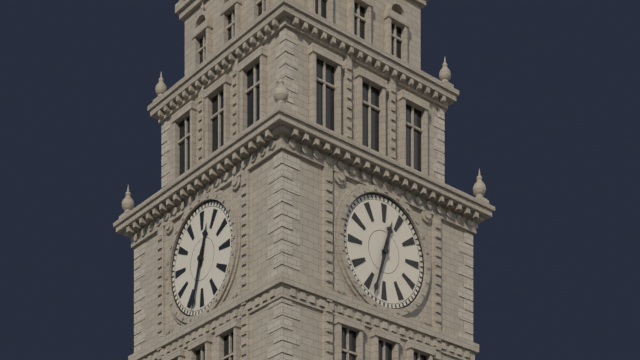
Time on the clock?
12:33
